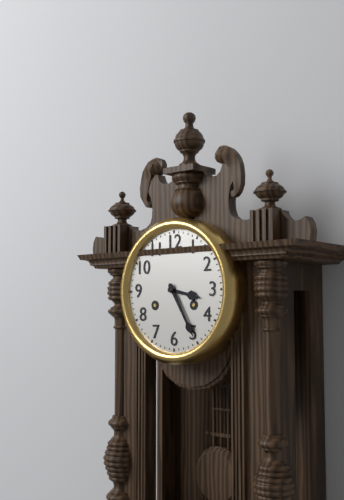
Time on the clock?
3:25
